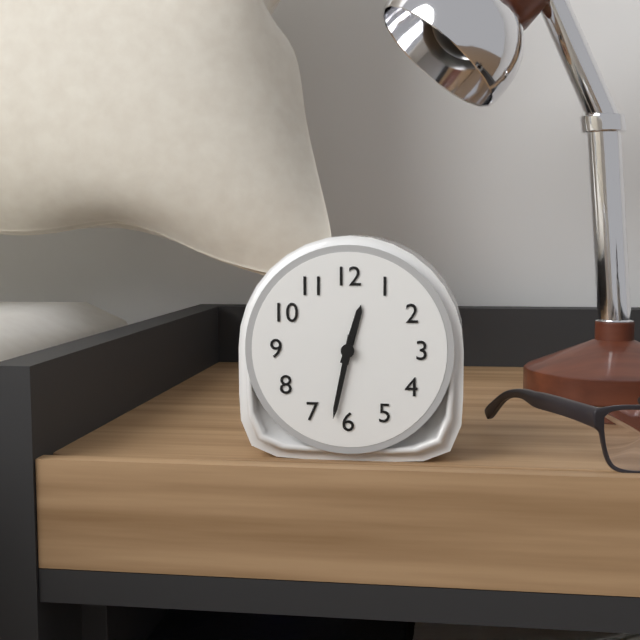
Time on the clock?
12:32
